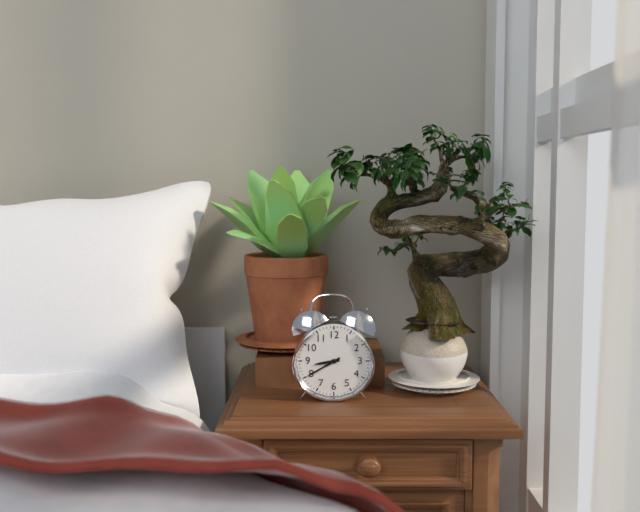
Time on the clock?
8:40
